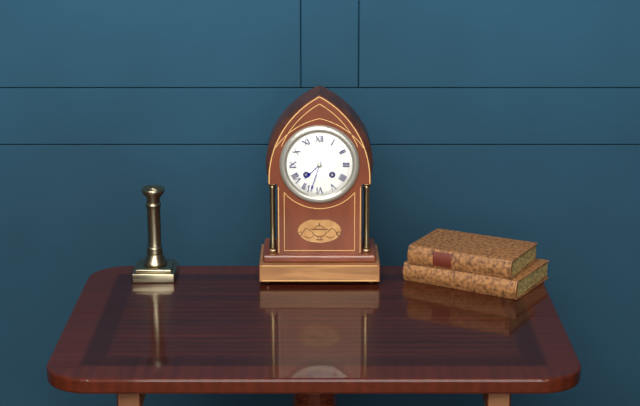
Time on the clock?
7:33
